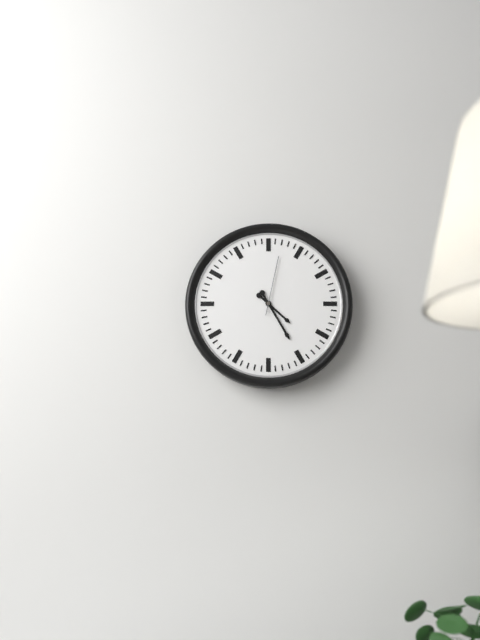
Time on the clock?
4:25:02
